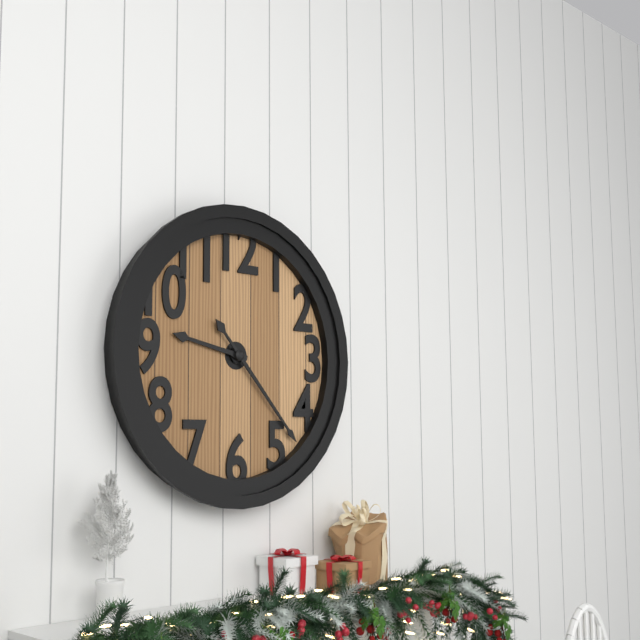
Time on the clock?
9:23
